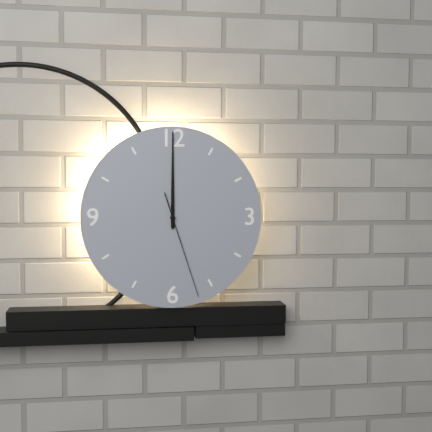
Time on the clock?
12:00:27
